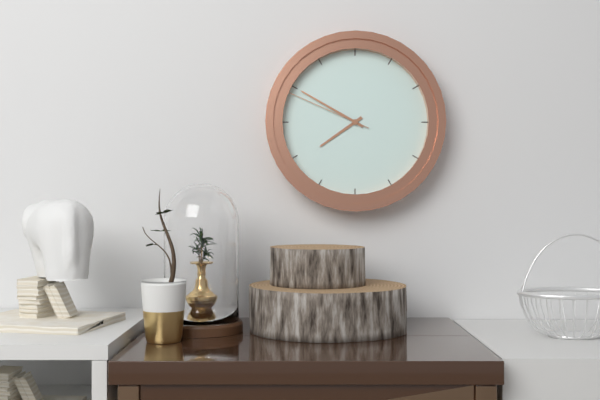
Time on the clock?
7:50:49
